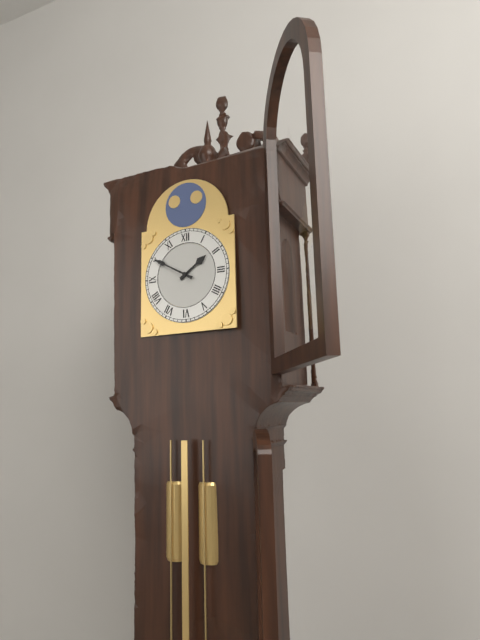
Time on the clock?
1:50
